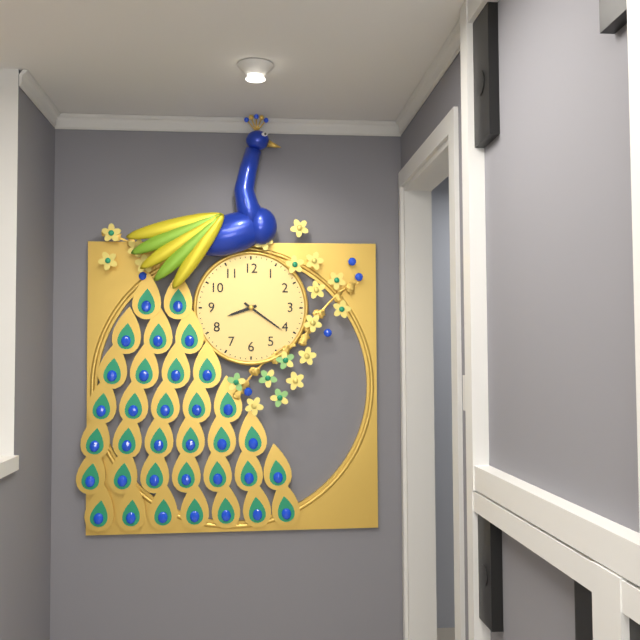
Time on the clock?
8:21
